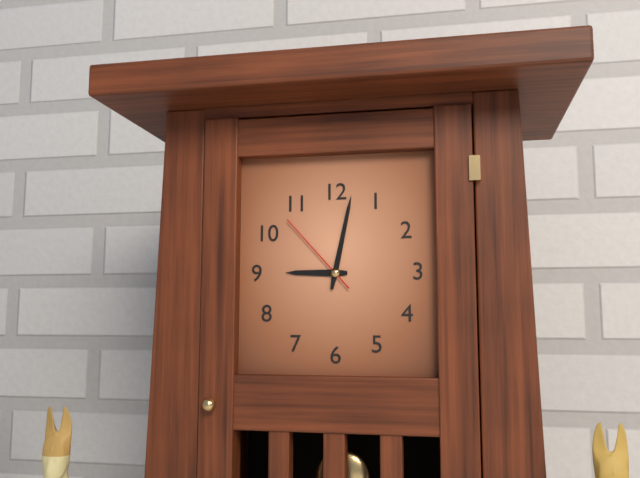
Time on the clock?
9:02:53
